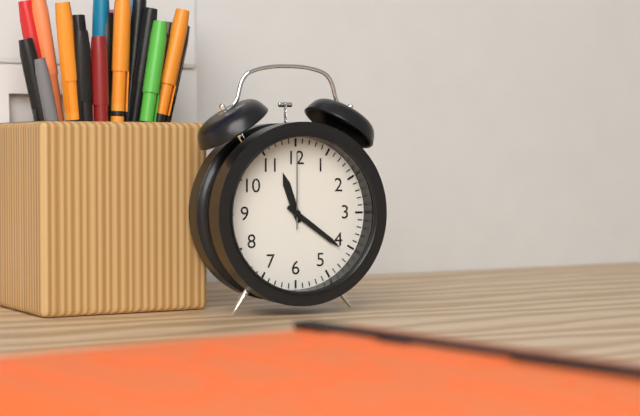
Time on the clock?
11:21:00
